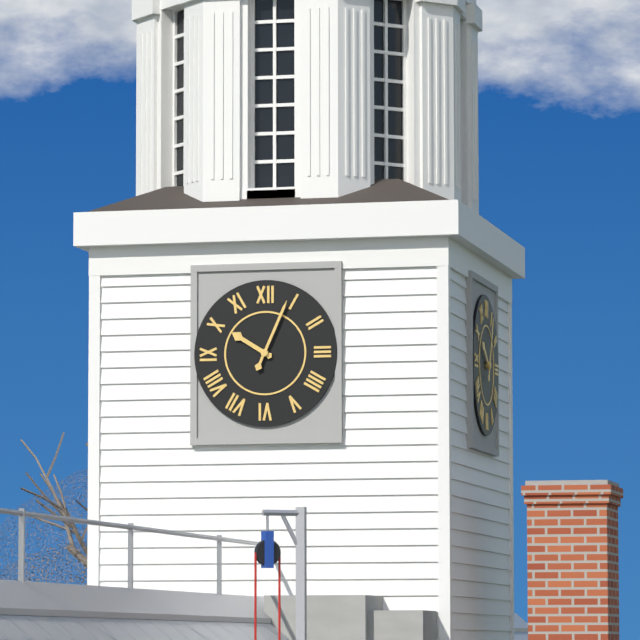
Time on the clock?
10:04
